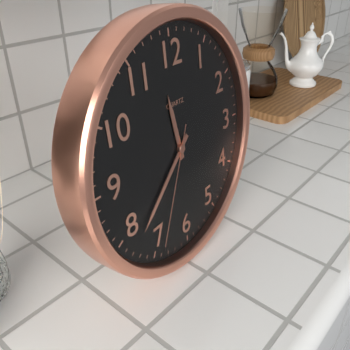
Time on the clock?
11:38:34
